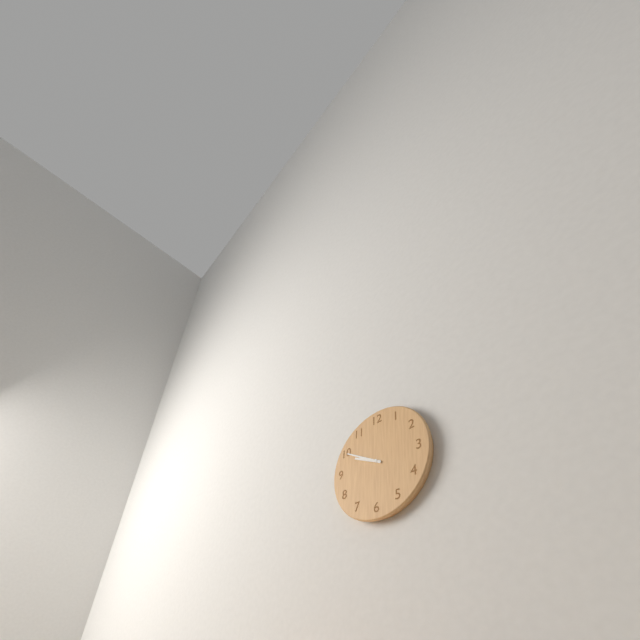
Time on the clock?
9:50
